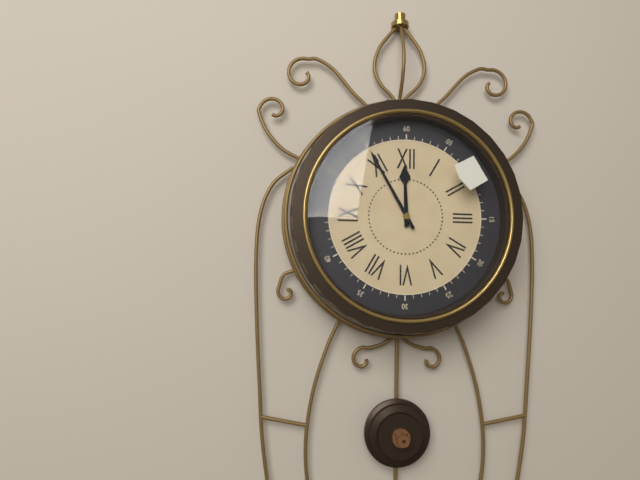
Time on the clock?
11:55
